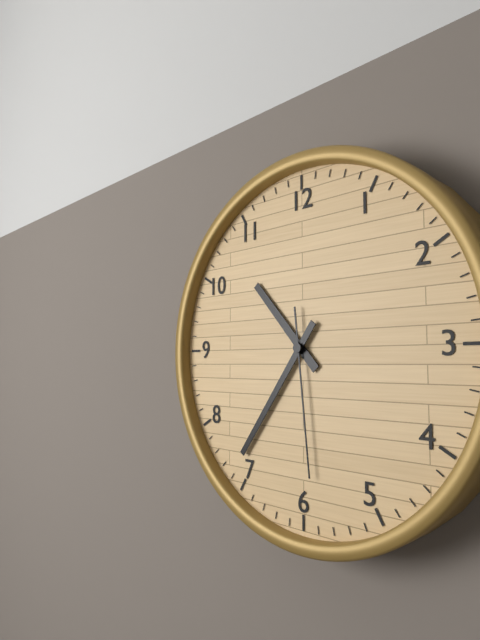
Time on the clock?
10:36:29
